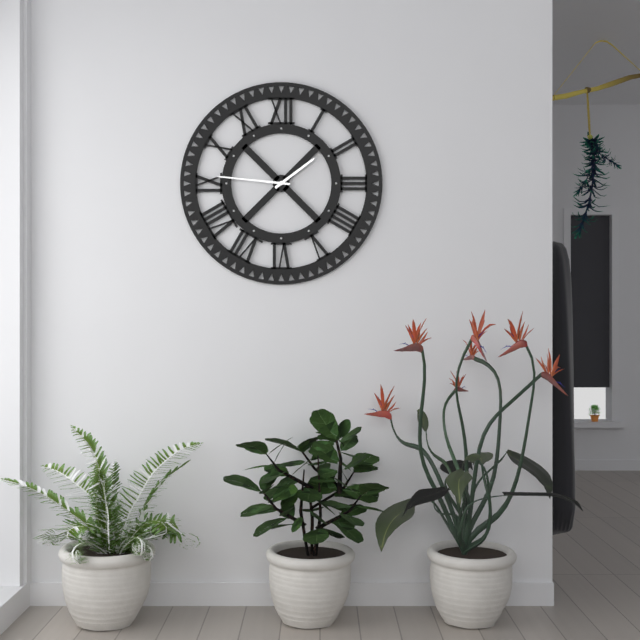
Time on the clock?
1:46
